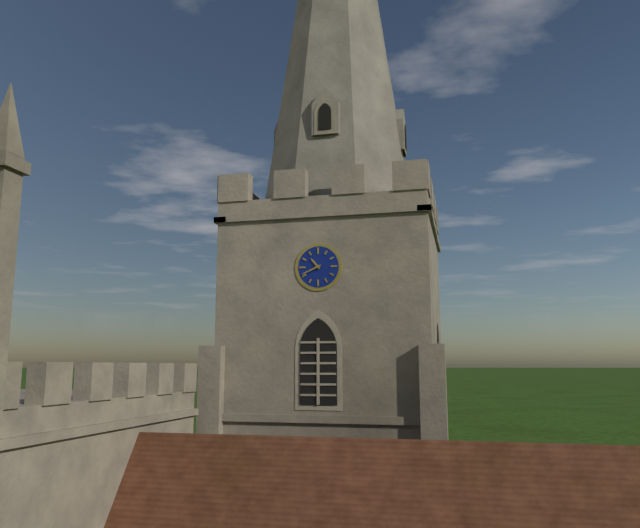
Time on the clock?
10:41
